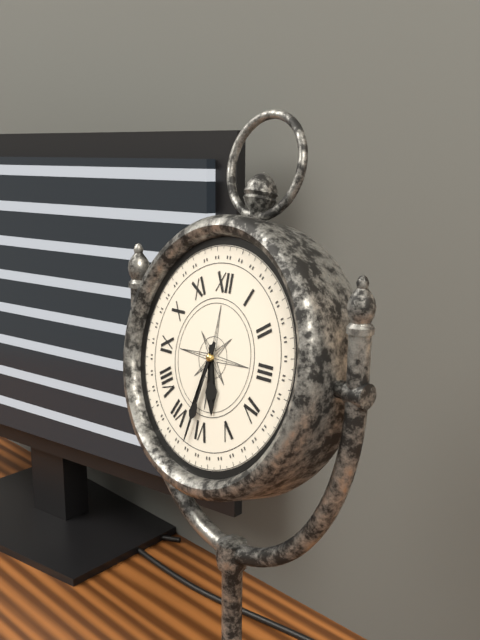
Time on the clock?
5:32
